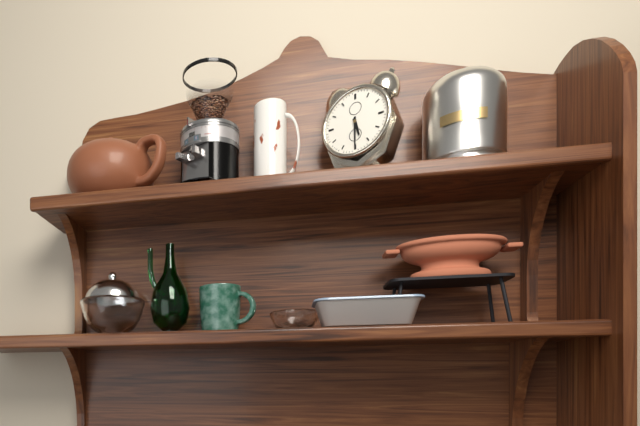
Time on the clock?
5:30
